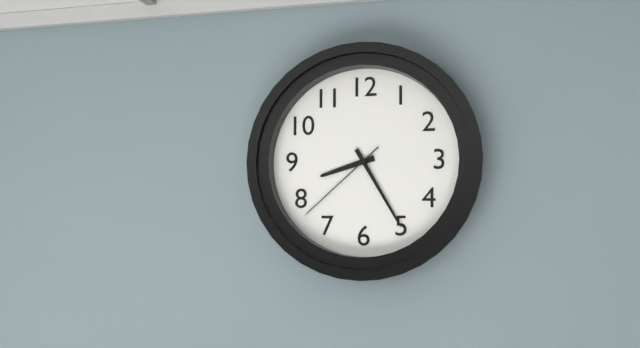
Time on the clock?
8:25:38
